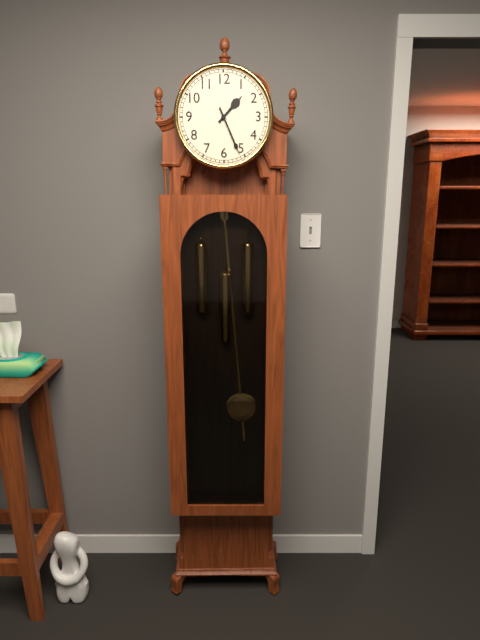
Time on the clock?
1:26
